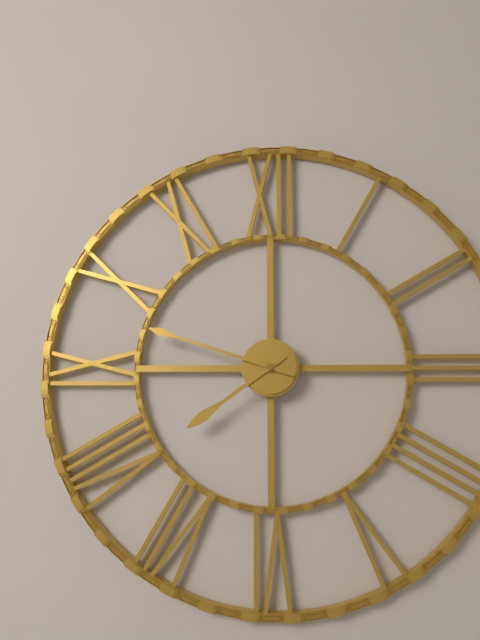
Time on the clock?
7:48
